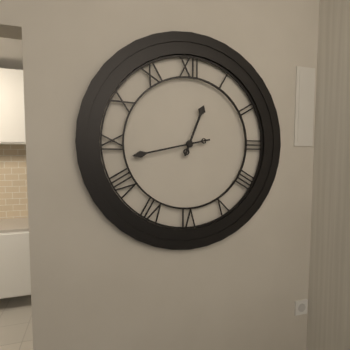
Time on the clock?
12:43
